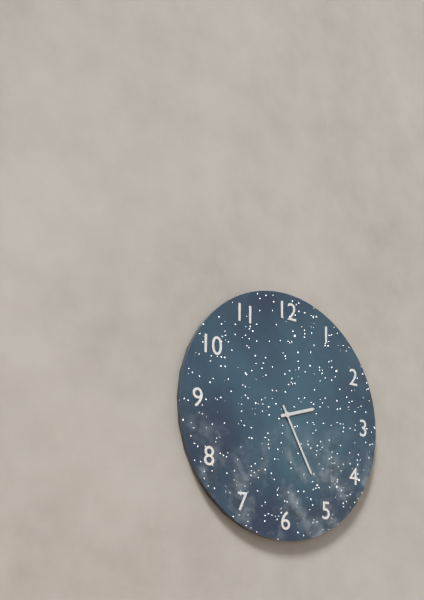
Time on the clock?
2:25
